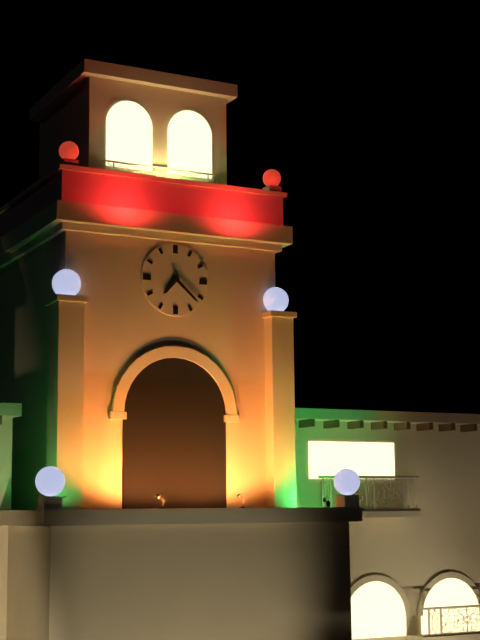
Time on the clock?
7:22
